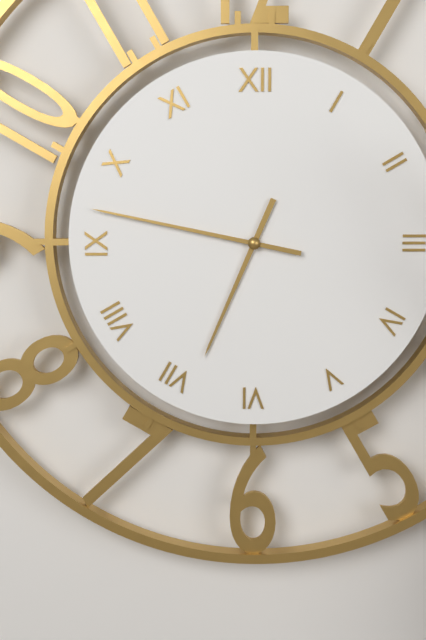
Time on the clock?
6:47
